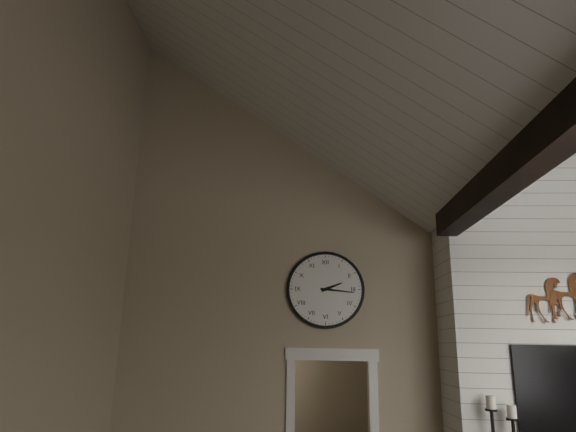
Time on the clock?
2:16
